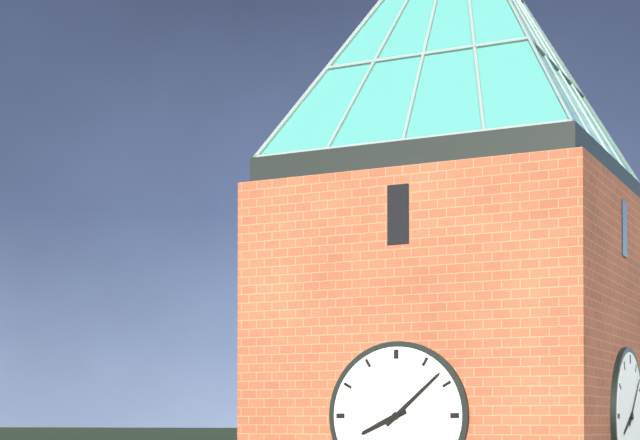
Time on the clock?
8:08
